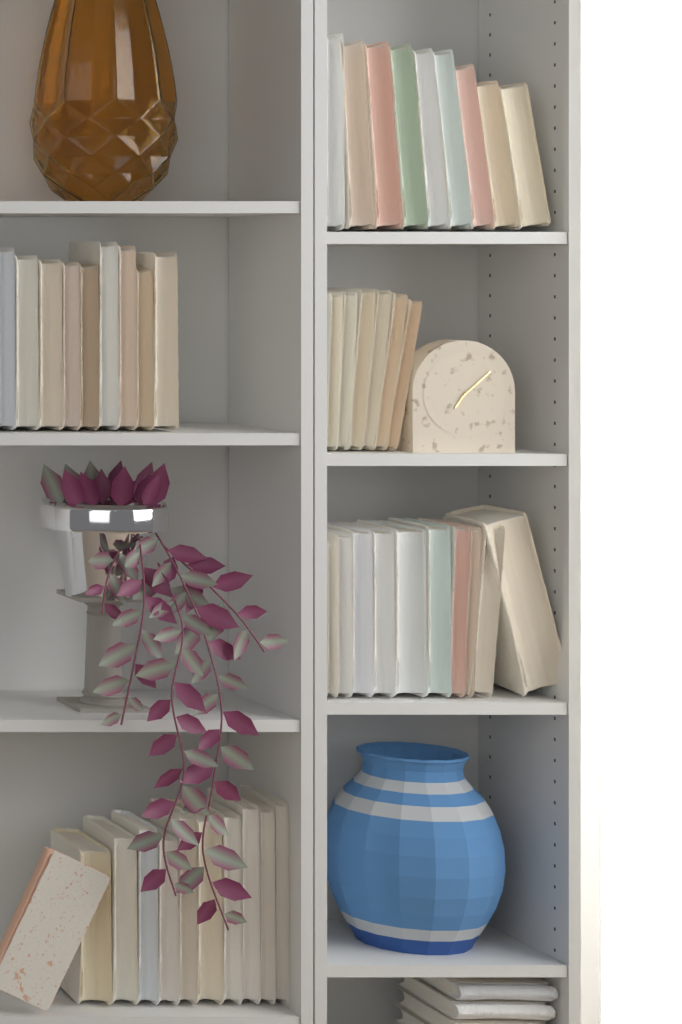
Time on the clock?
7:08
